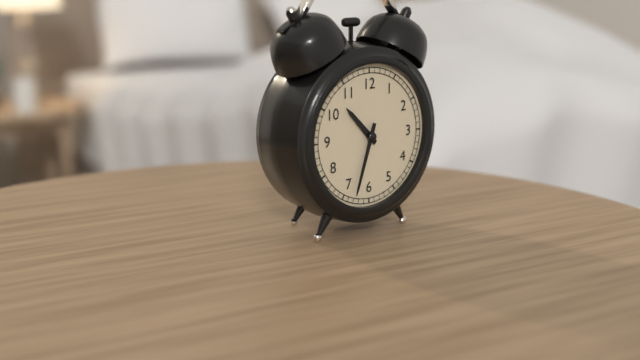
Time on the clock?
10:33
